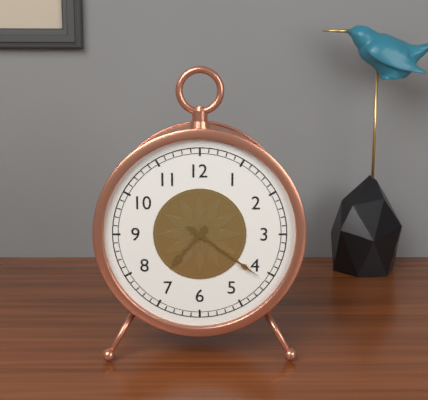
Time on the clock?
7:21
